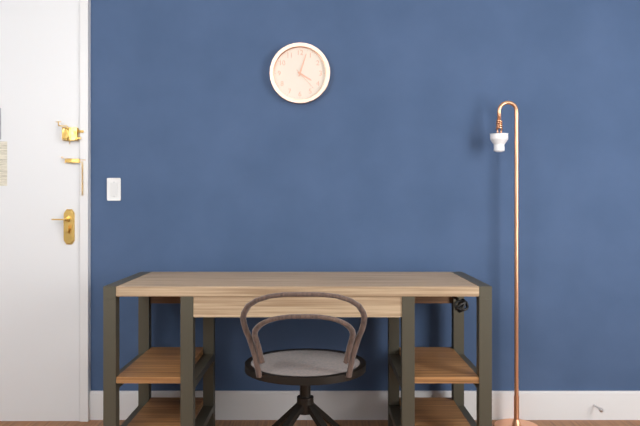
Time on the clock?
4:03
